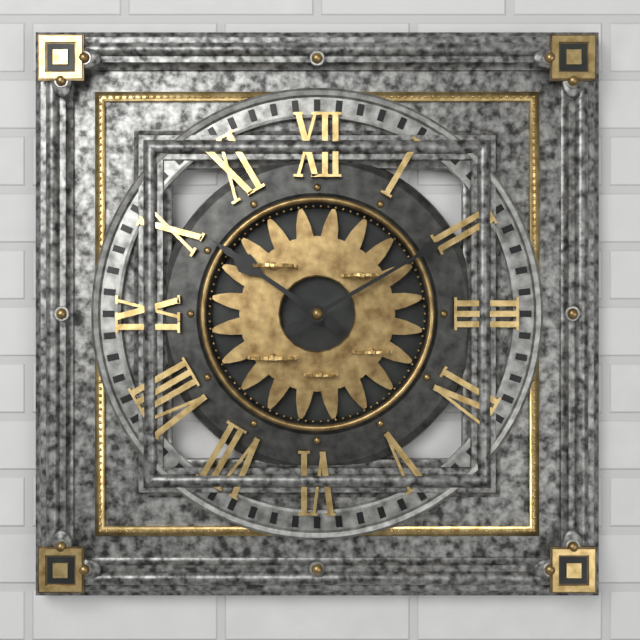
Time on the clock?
10:10
